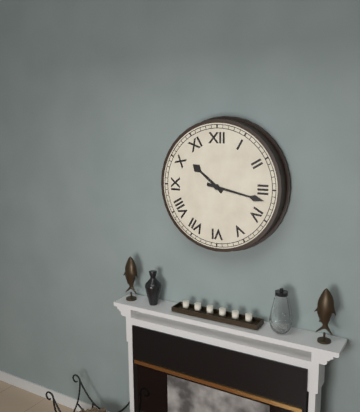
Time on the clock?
10:17
